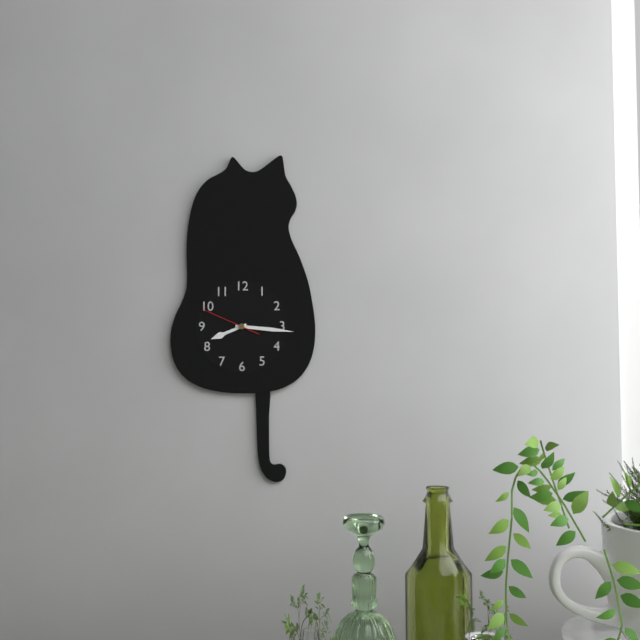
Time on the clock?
8:16:49
